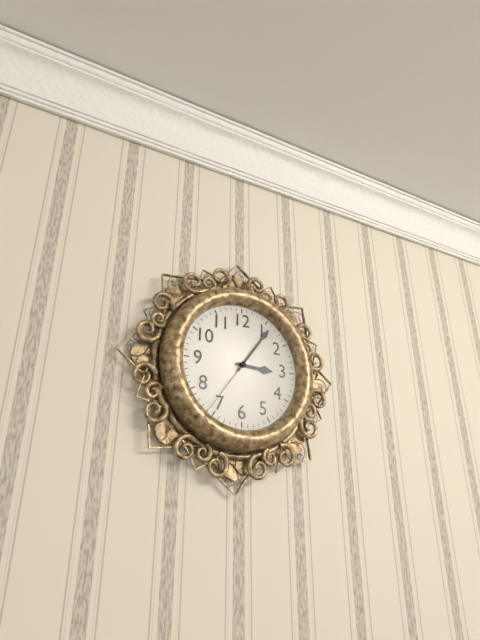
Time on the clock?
3:06:36
